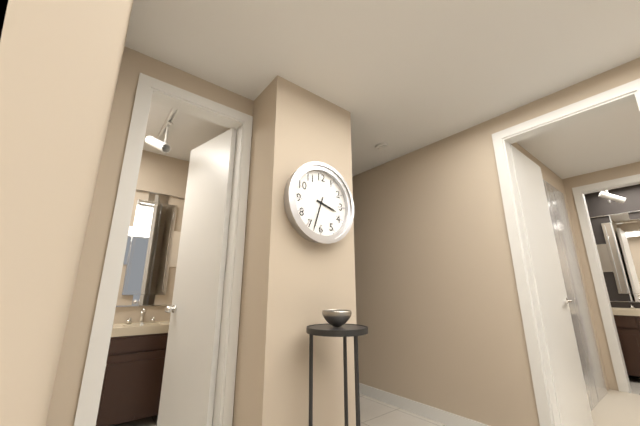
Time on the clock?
3:33
